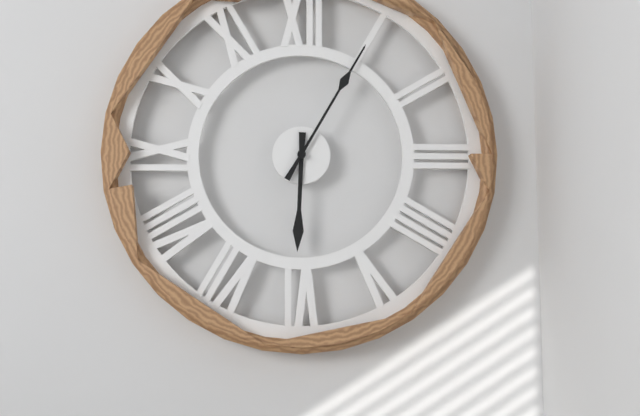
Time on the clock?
6:05
